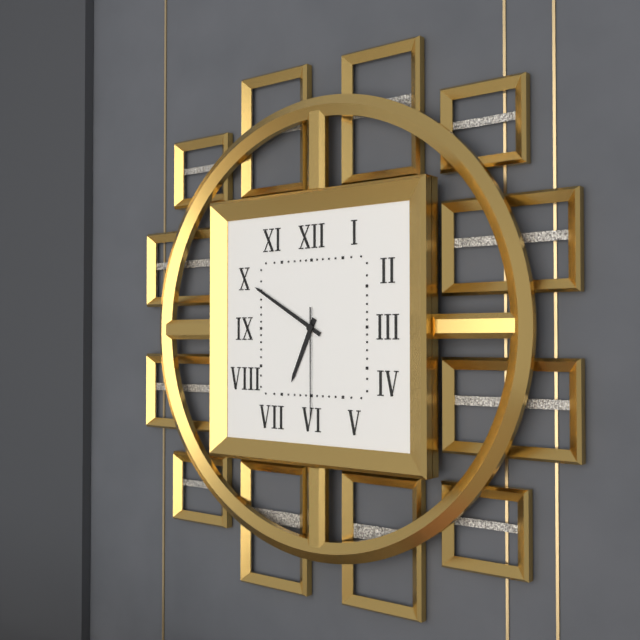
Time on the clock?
6:50:30
